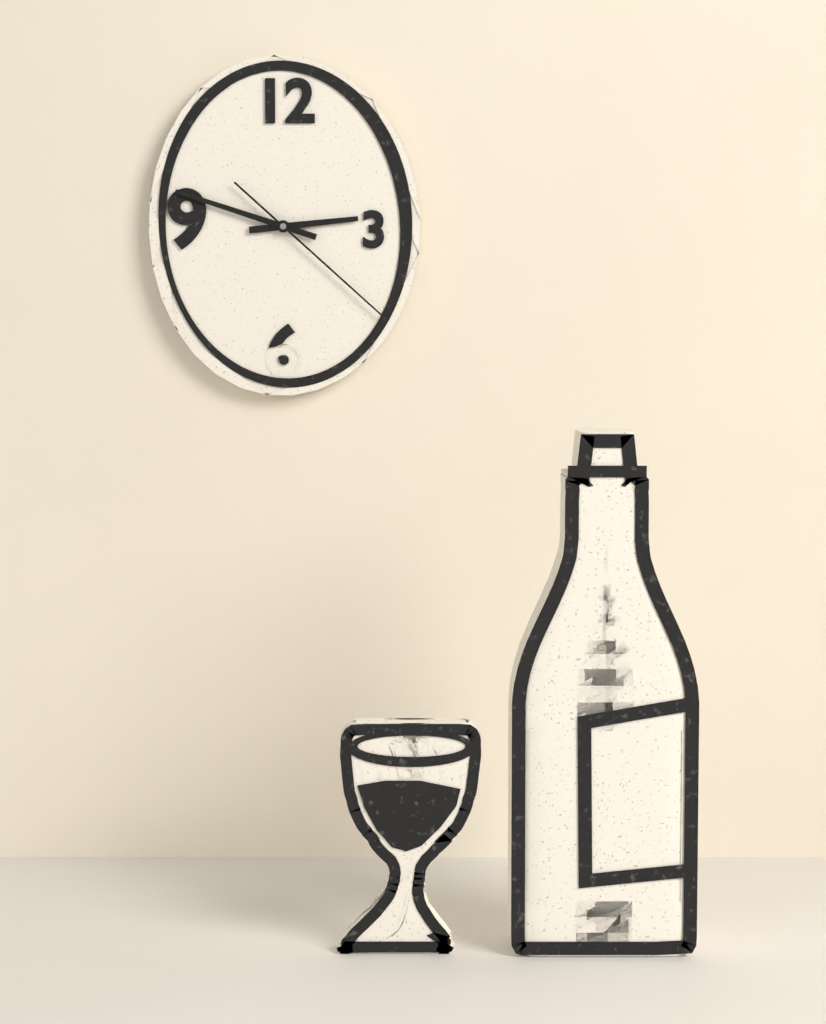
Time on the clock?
2:48:22
